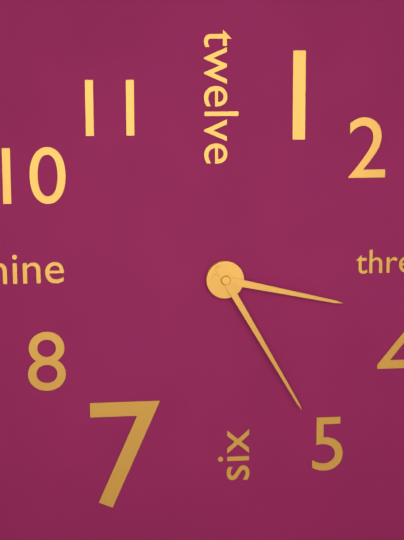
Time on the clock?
3:25
